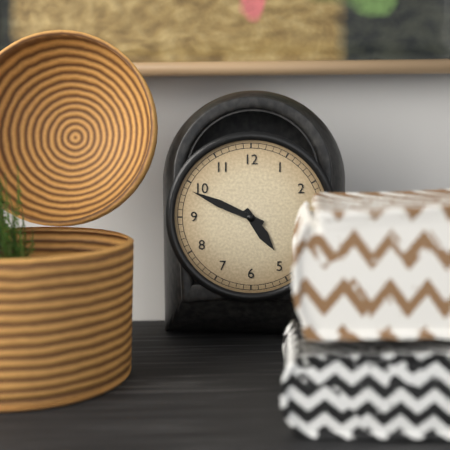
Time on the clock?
4:49
